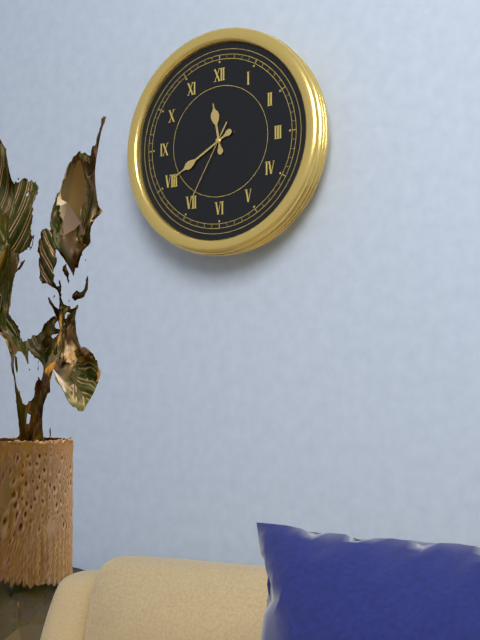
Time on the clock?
11:40:35
